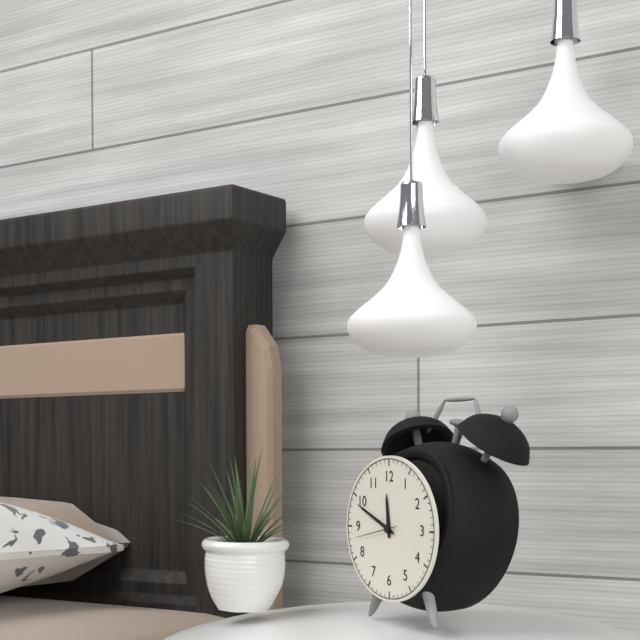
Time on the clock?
11:49
